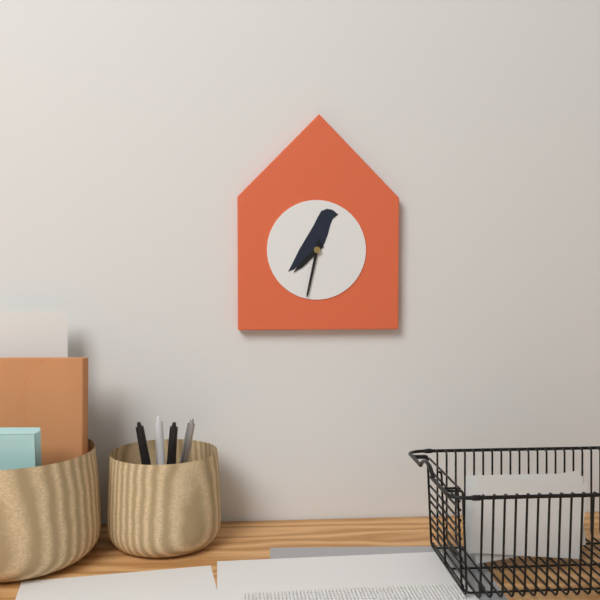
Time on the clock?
7:32
